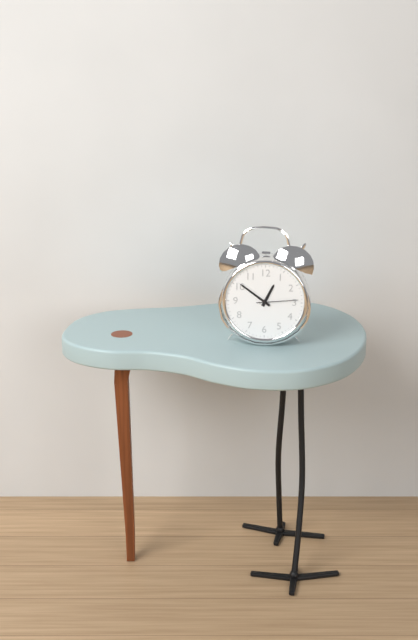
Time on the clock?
12:51
